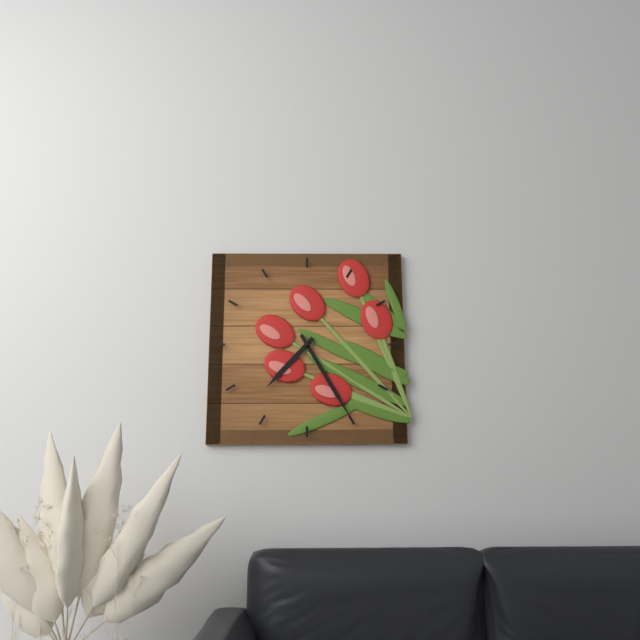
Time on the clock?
7:25
